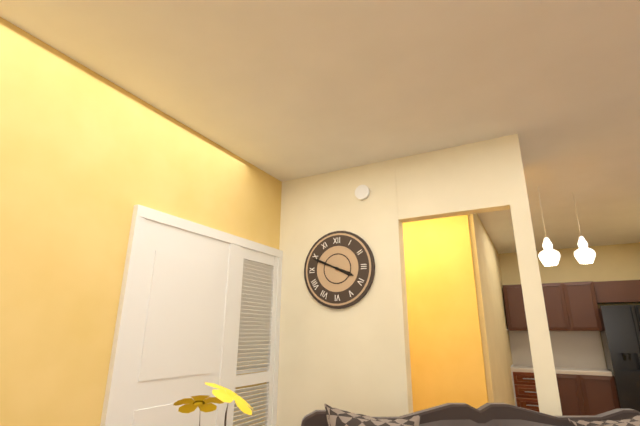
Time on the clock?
3:49
